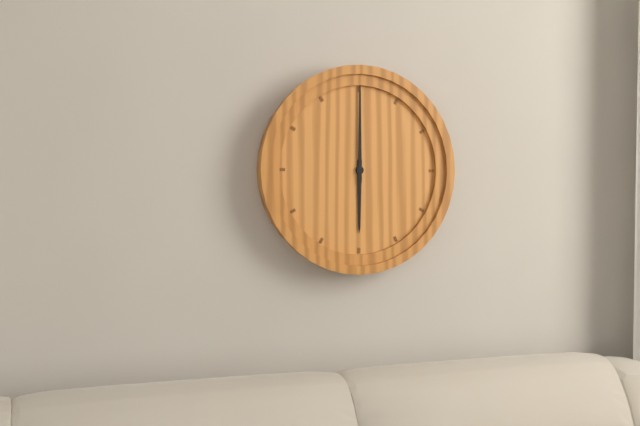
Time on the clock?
6:00
